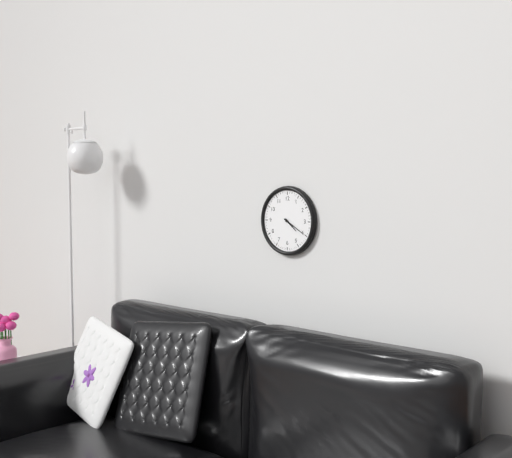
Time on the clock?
4:20
